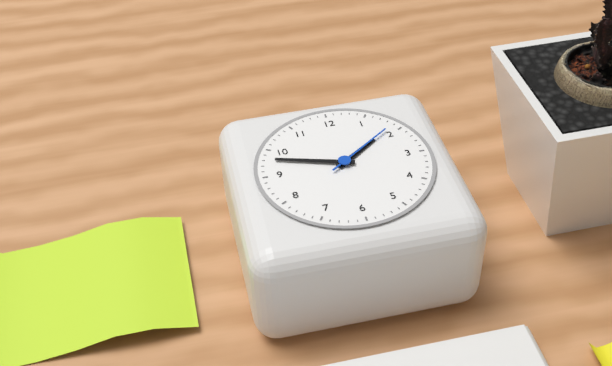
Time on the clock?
1:48:09
